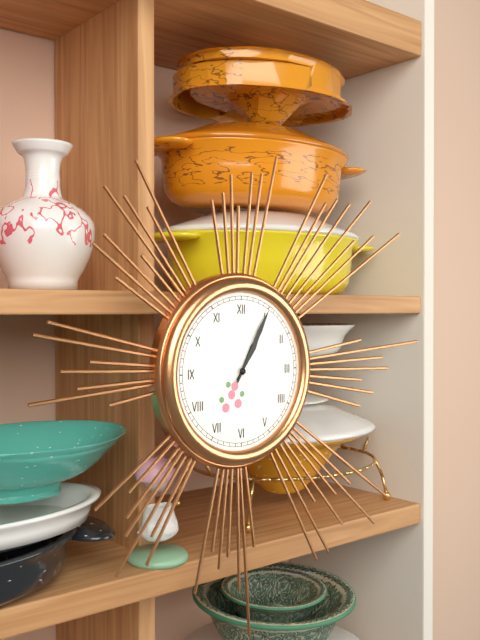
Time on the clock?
1:05
